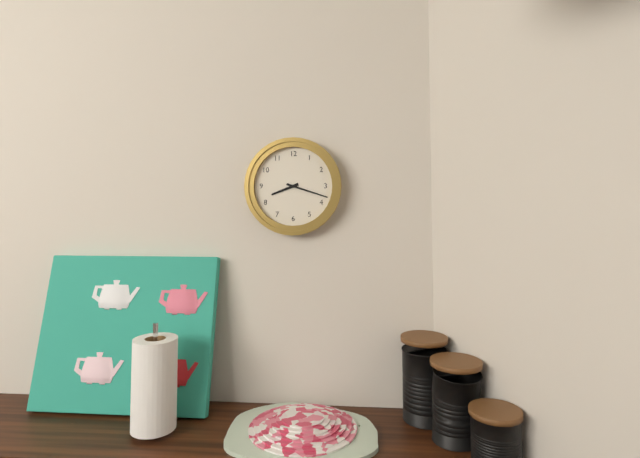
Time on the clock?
8:18
